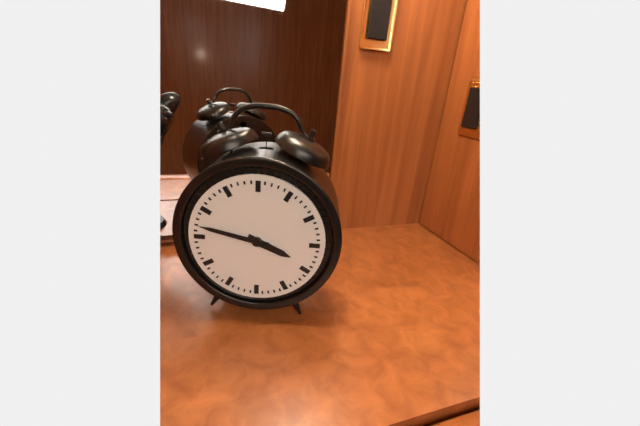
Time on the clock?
3:47
